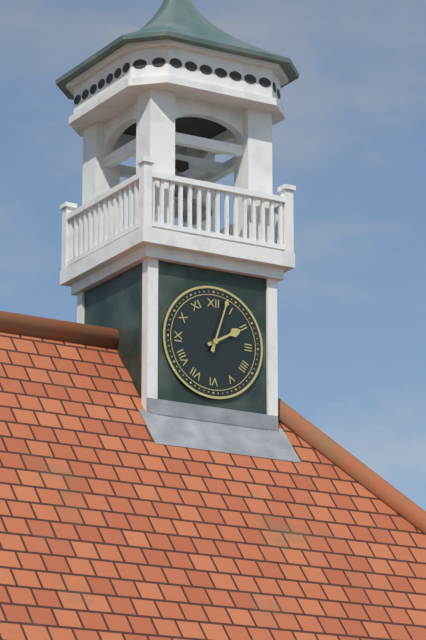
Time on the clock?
2:03
